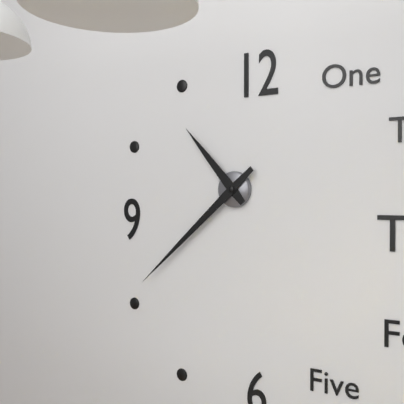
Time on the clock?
10:38
